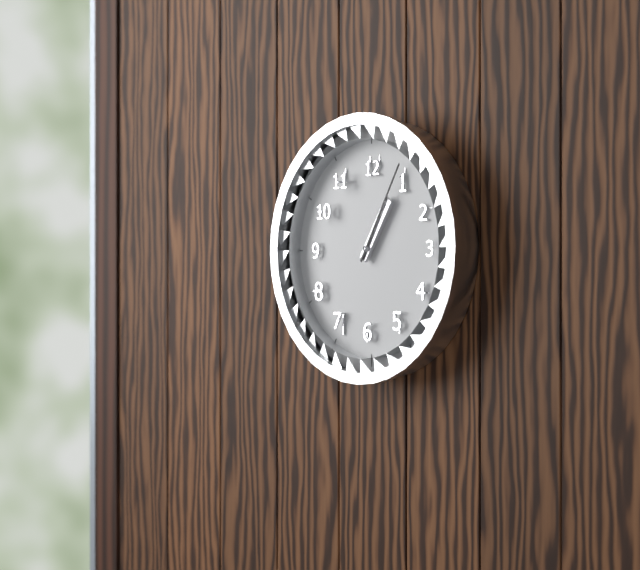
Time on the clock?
1:05
